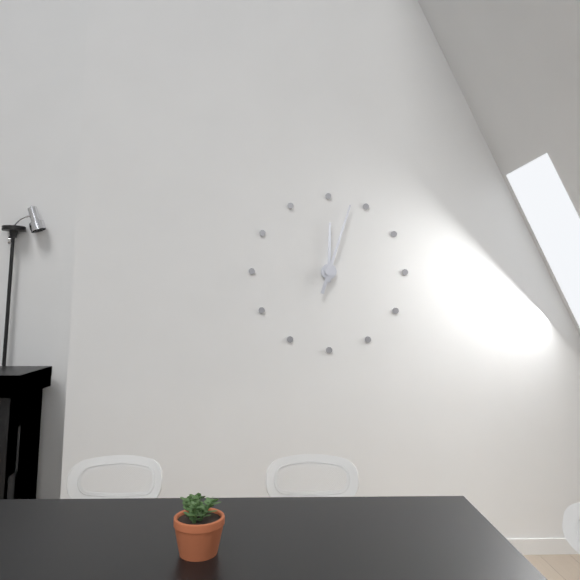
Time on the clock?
12:03
